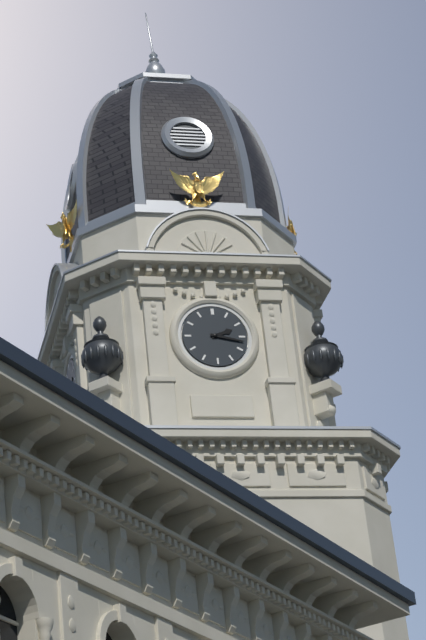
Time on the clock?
2:17
